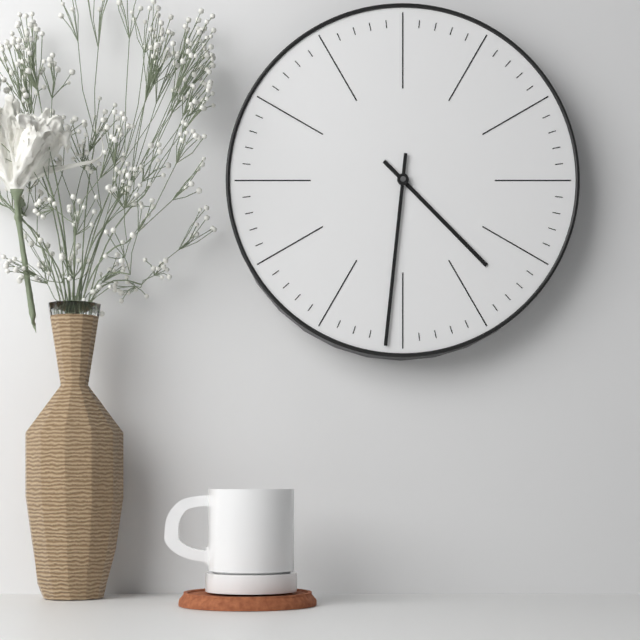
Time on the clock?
4:31
